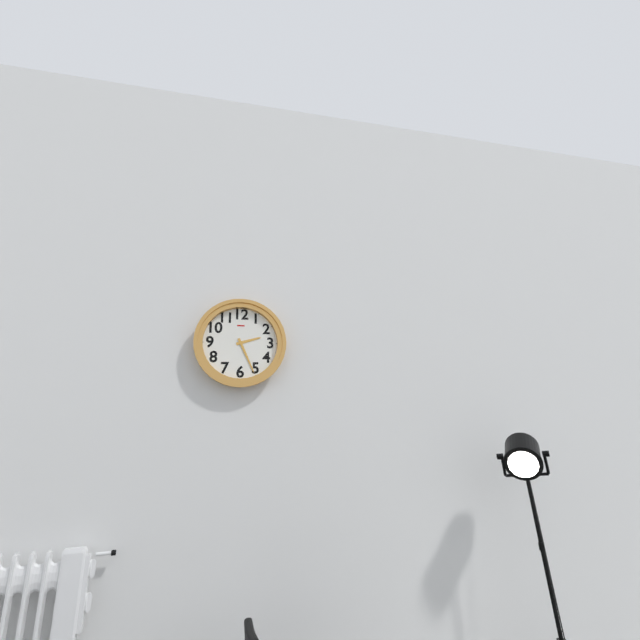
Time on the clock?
2:26
